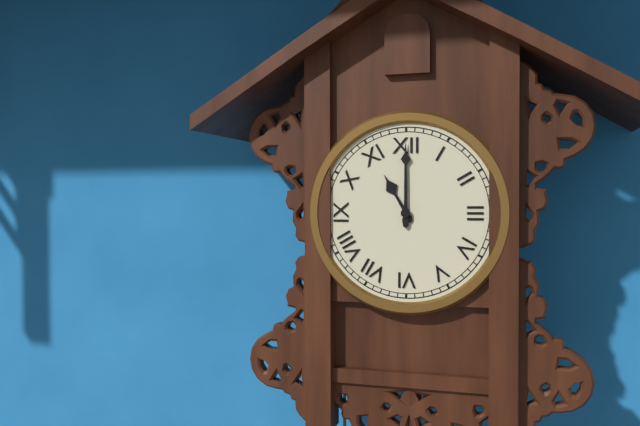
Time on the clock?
11:00
